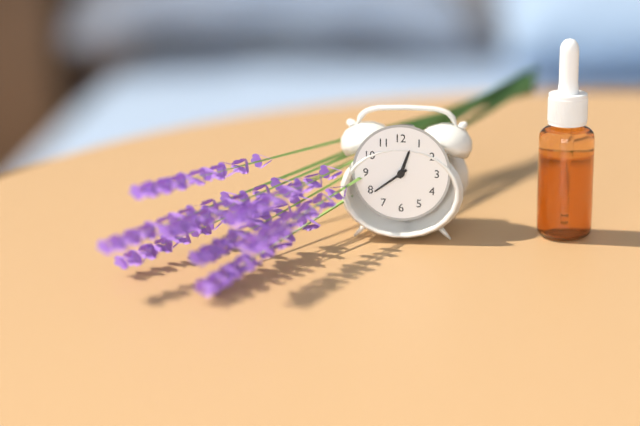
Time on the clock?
12:39
